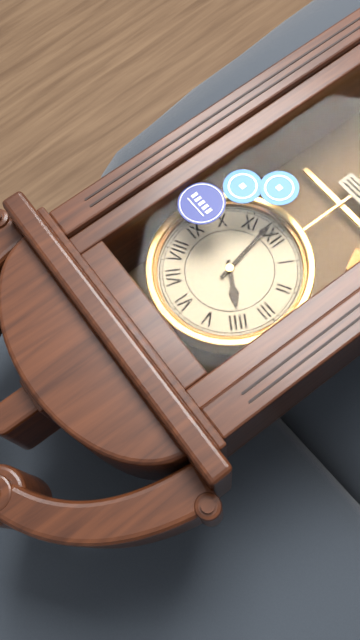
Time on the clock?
3:58
